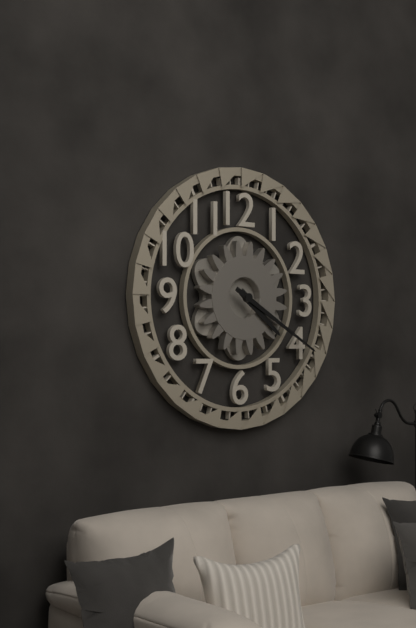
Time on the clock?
4:20
